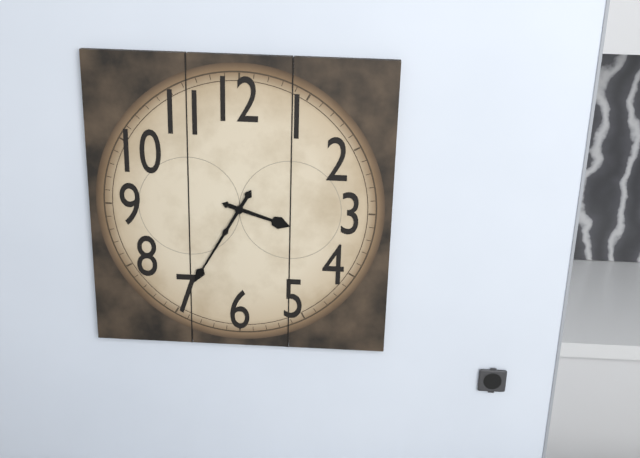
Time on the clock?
3:35
